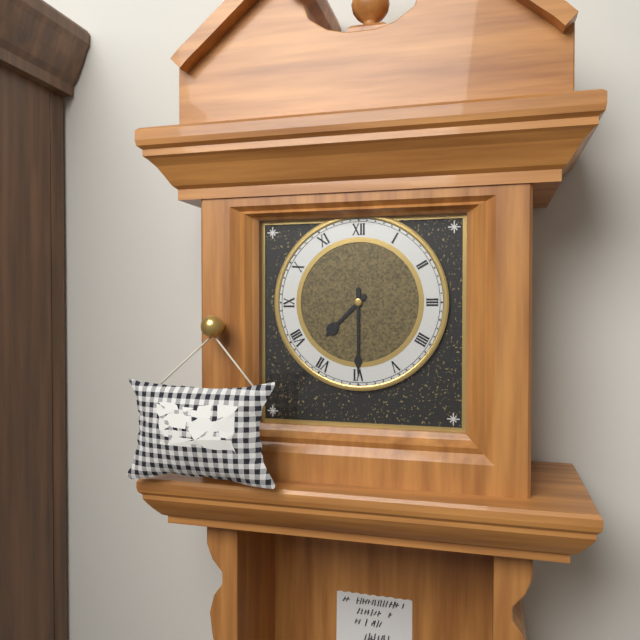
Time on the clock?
7:30
